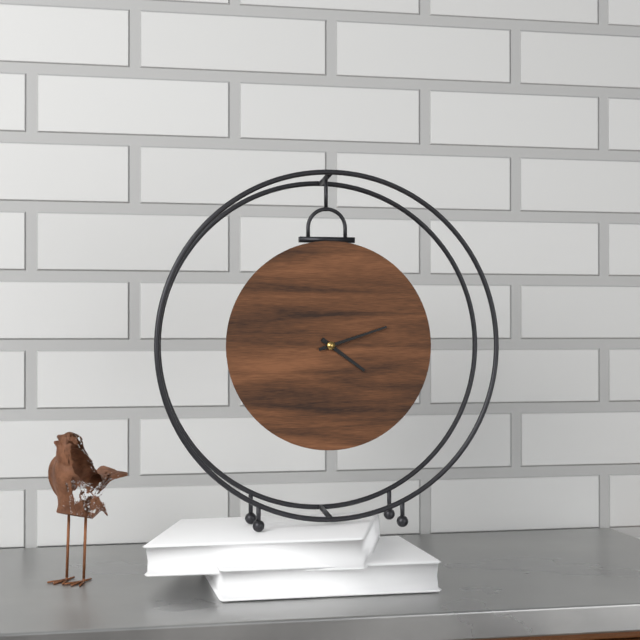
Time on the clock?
4:12
